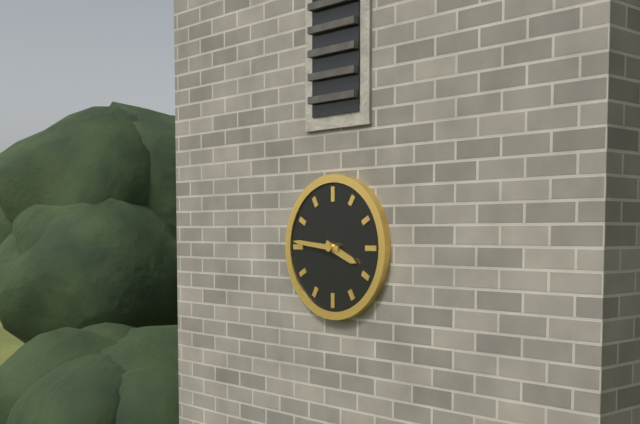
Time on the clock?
3:46
